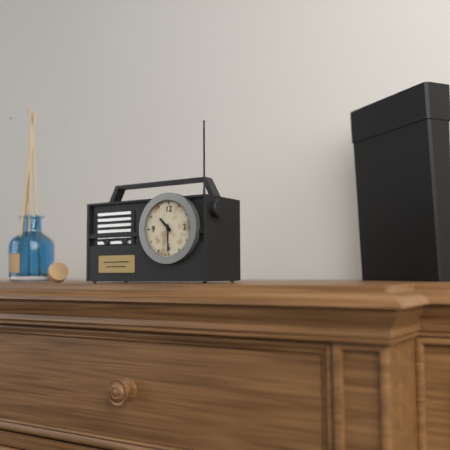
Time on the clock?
10:30
